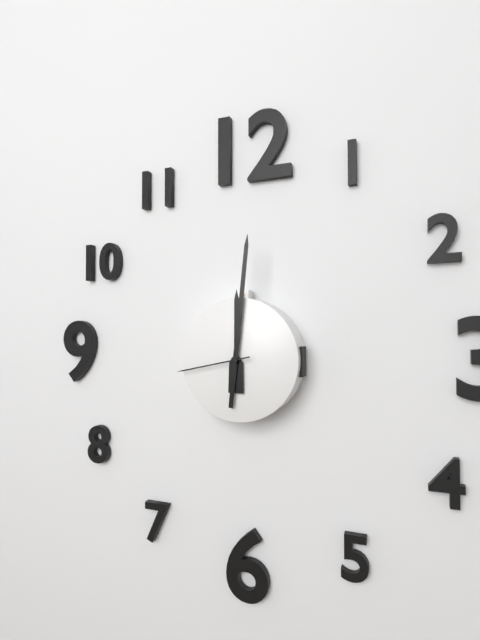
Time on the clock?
12:01:43
